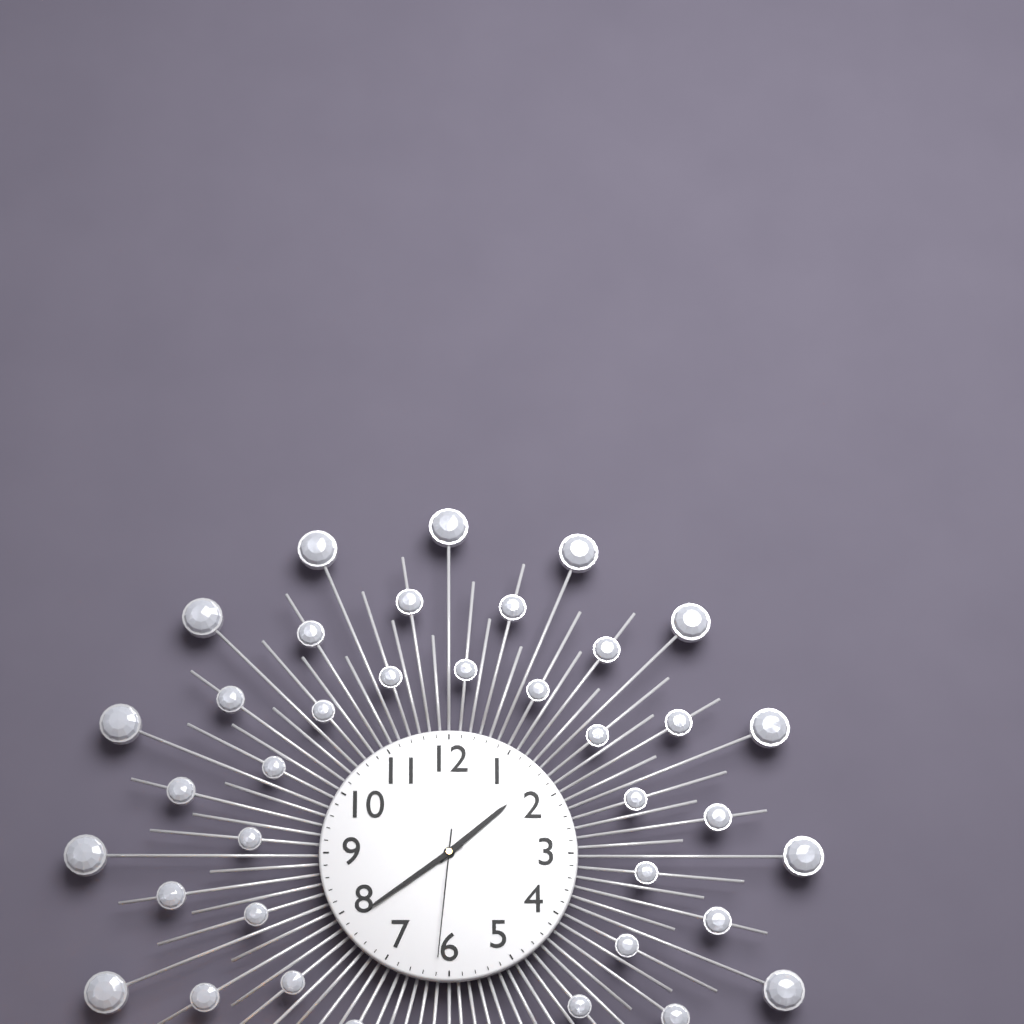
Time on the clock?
1:39:31
